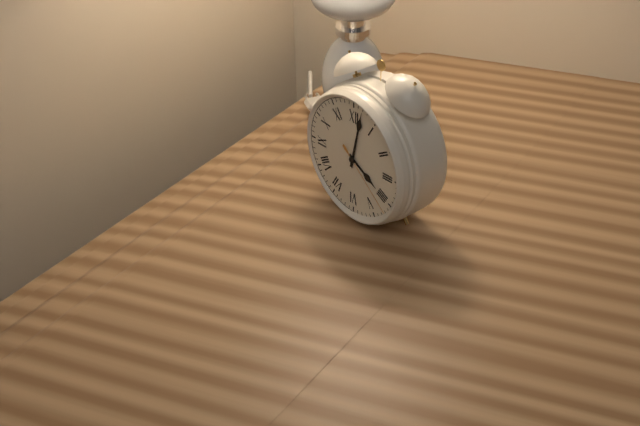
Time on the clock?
4:02:22
